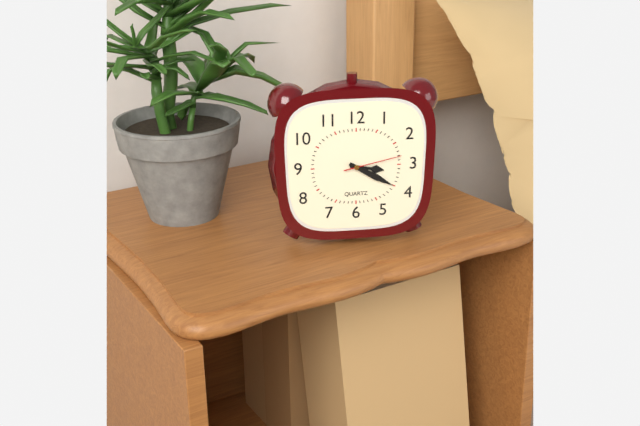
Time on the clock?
3:20:13
